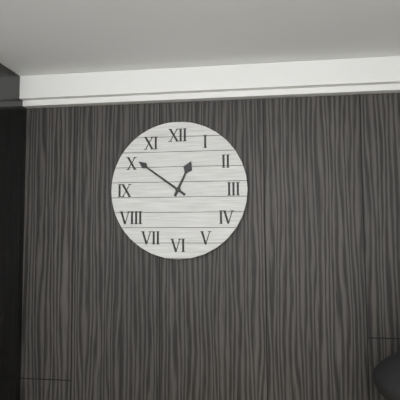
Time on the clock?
12:51
